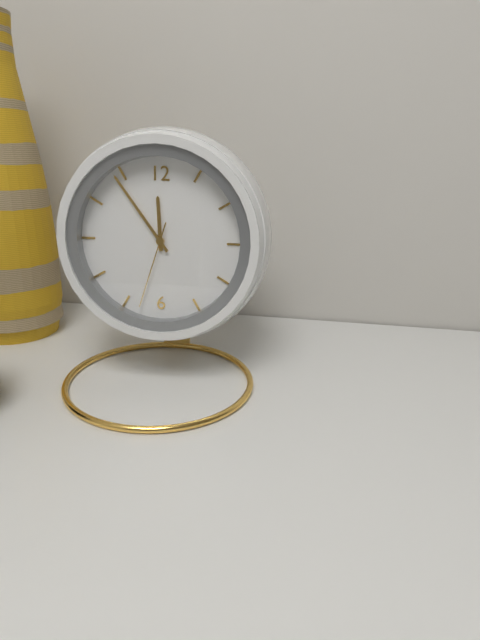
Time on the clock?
11:54:33
